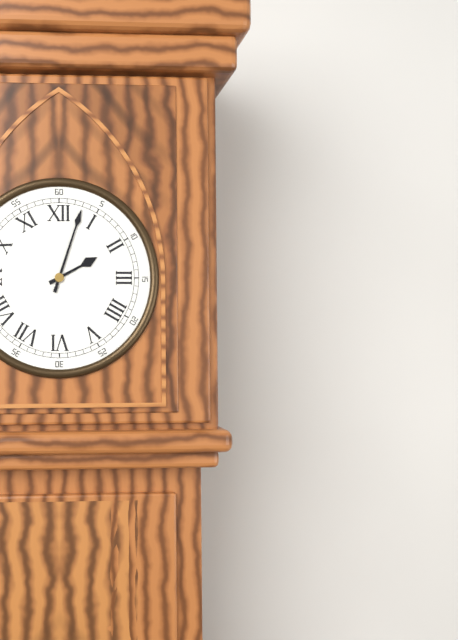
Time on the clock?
2:03
